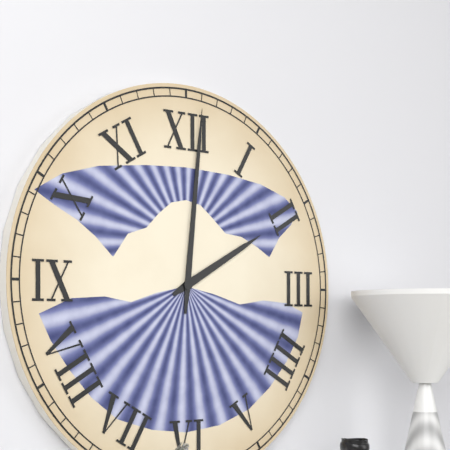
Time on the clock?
2:01
